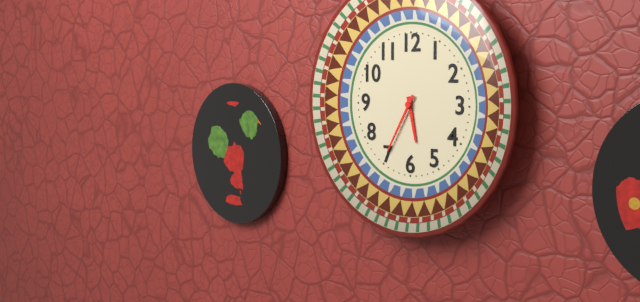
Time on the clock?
5:35
